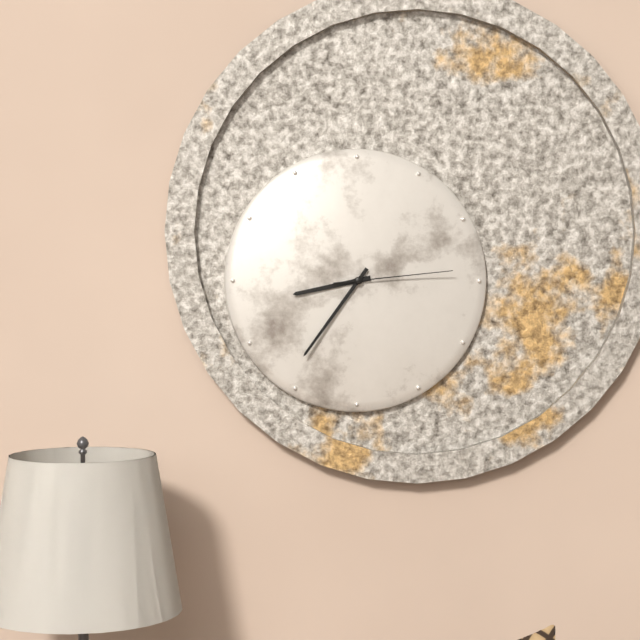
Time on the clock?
8:36:14
